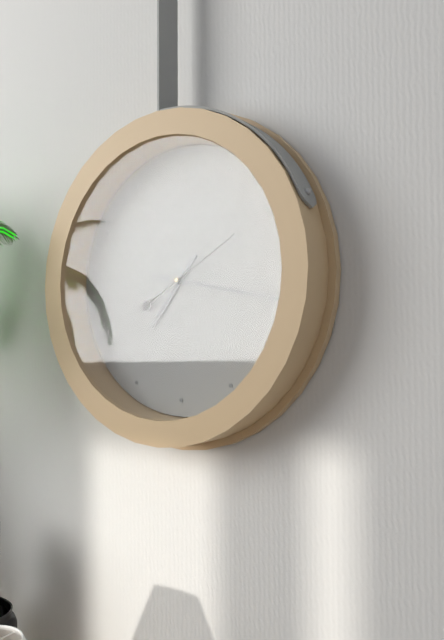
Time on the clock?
7:17:10
